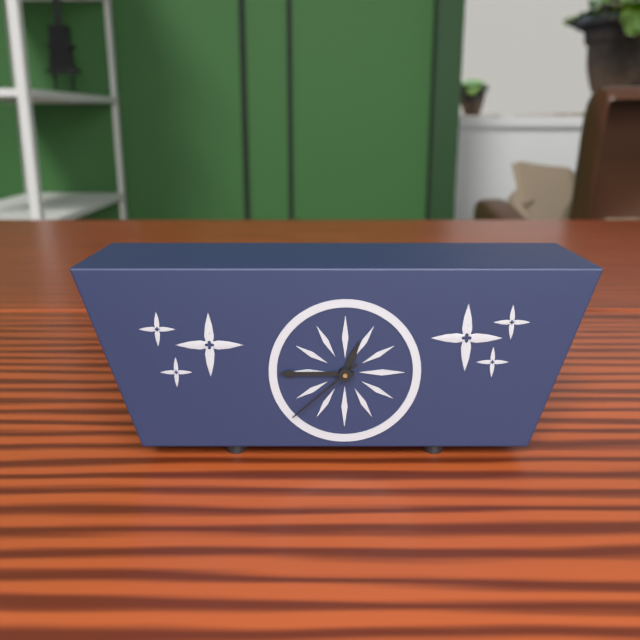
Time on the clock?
12:45:38
